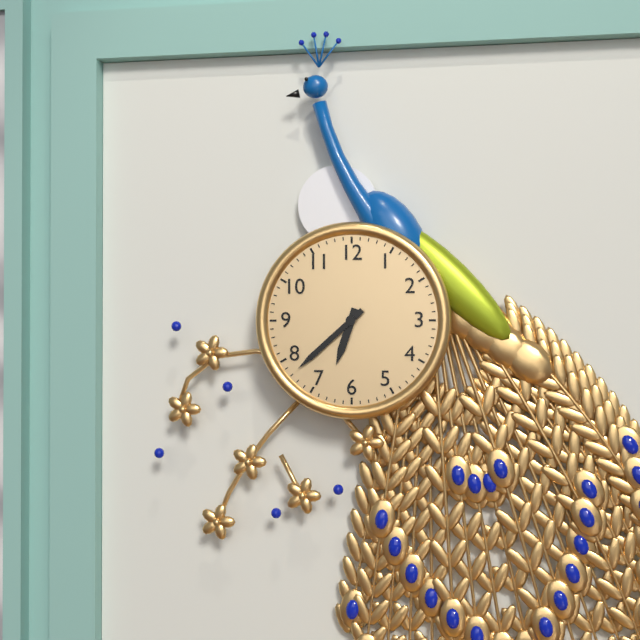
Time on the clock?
6:38
